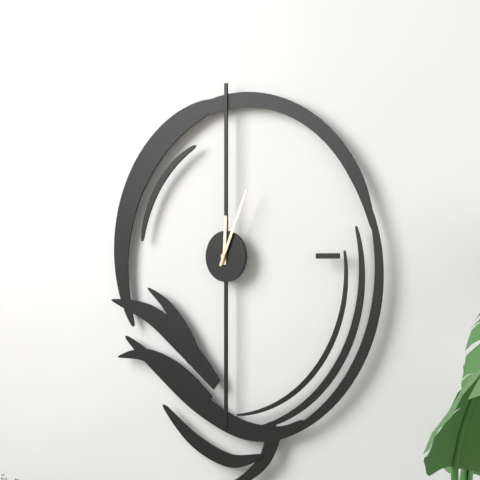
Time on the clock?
12:04
